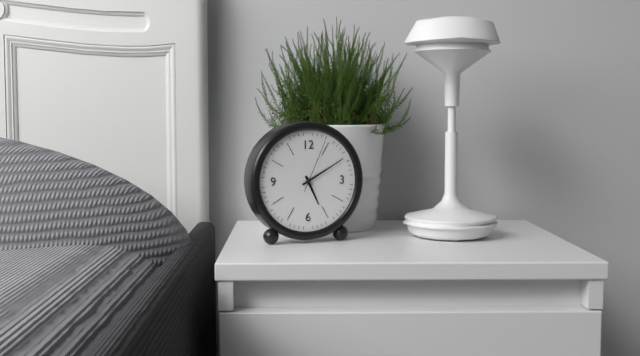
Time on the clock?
5:10:04
